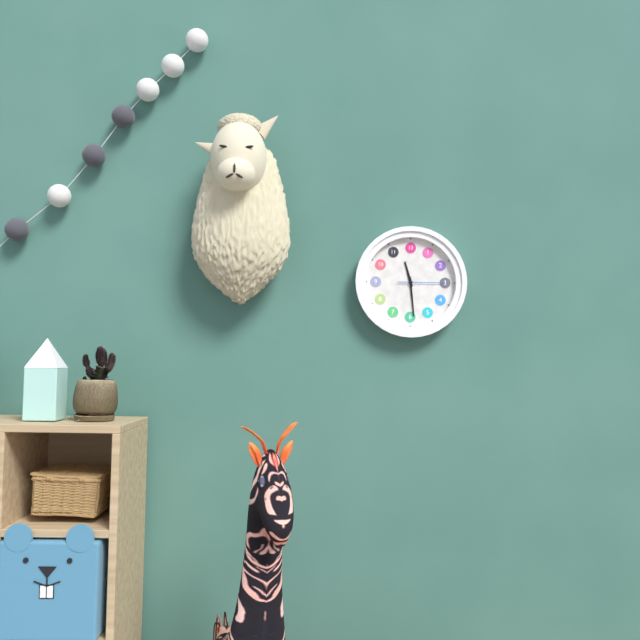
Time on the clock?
11:29
